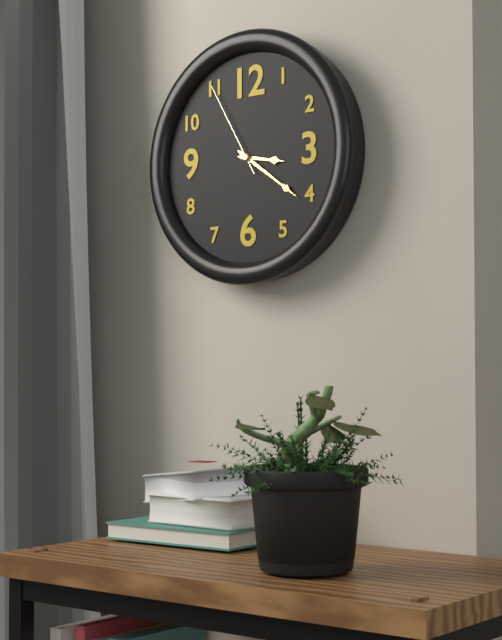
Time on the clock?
3:21:55
